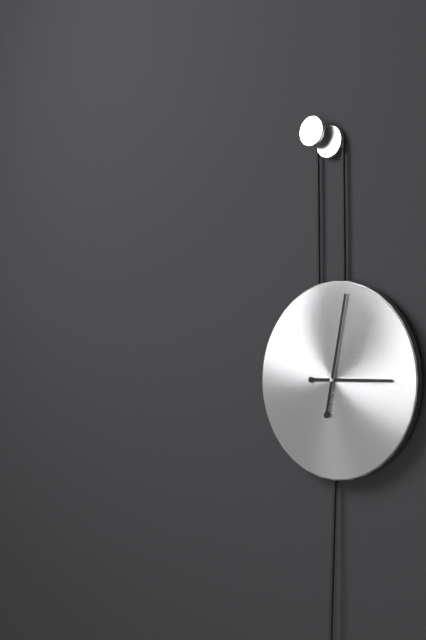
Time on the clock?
3:02
